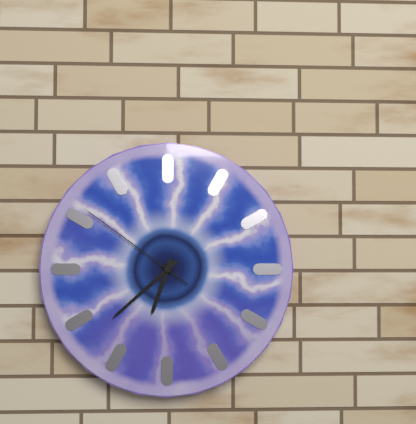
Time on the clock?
6:38:51
